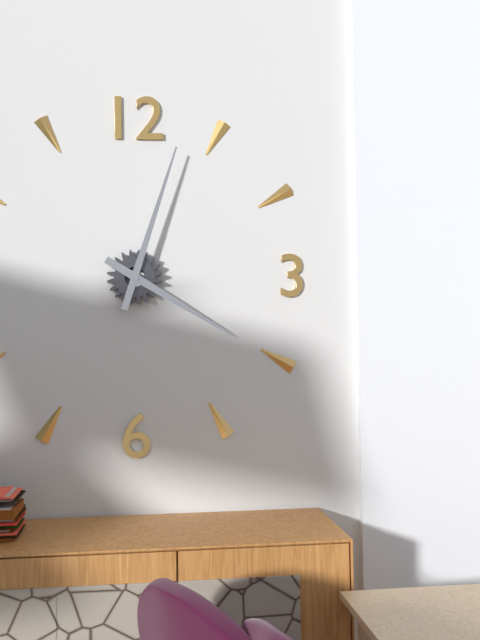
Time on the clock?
4:03
